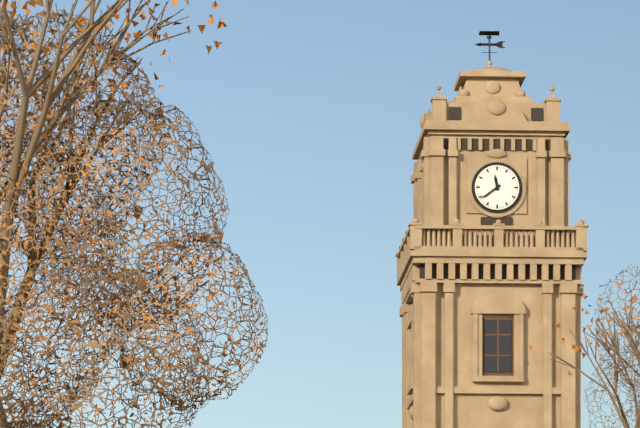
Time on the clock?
11:39
